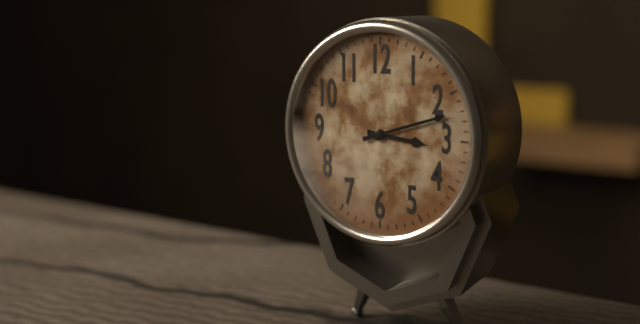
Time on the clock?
3:12
